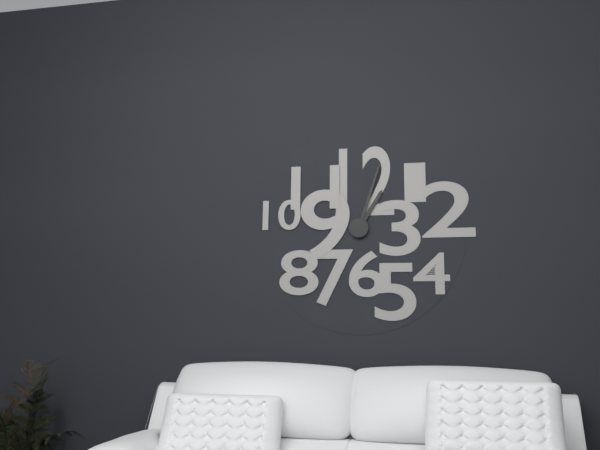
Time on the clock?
1:03
